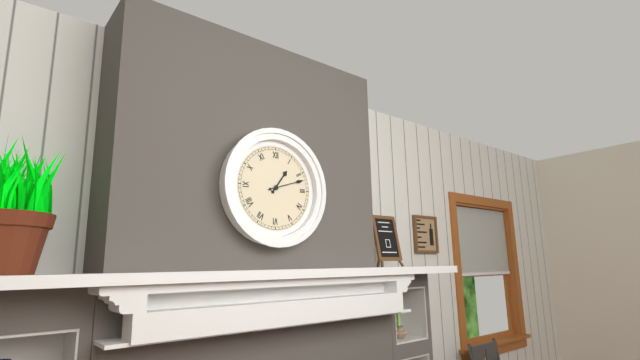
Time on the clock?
1:12
